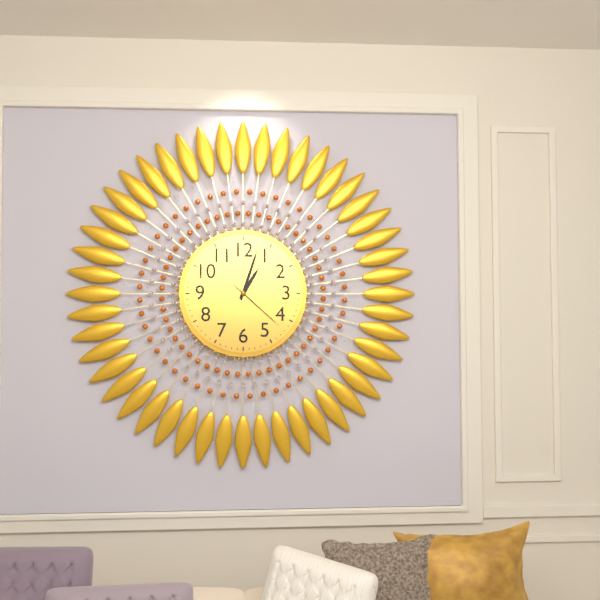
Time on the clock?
1:03:22
